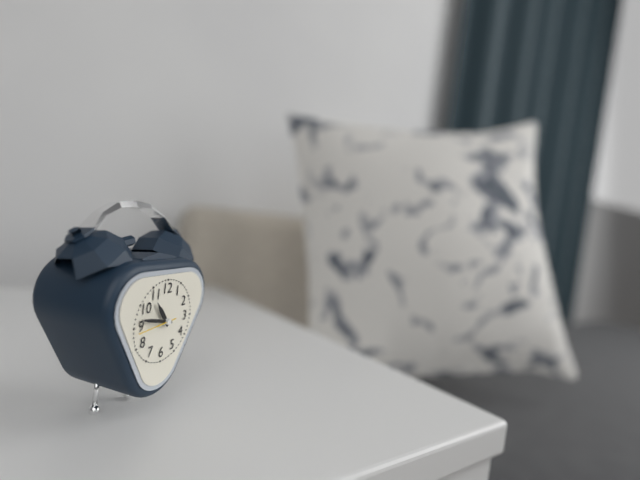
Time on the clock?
10:47
